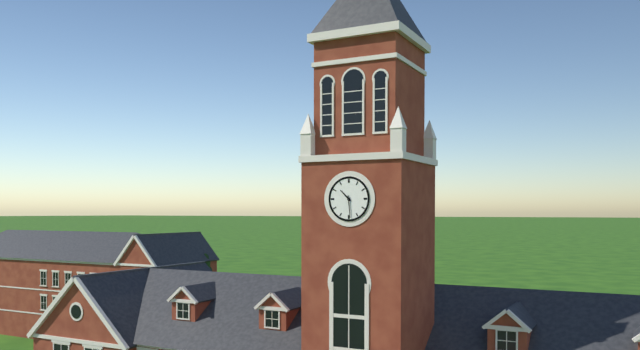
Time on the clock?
10:29
